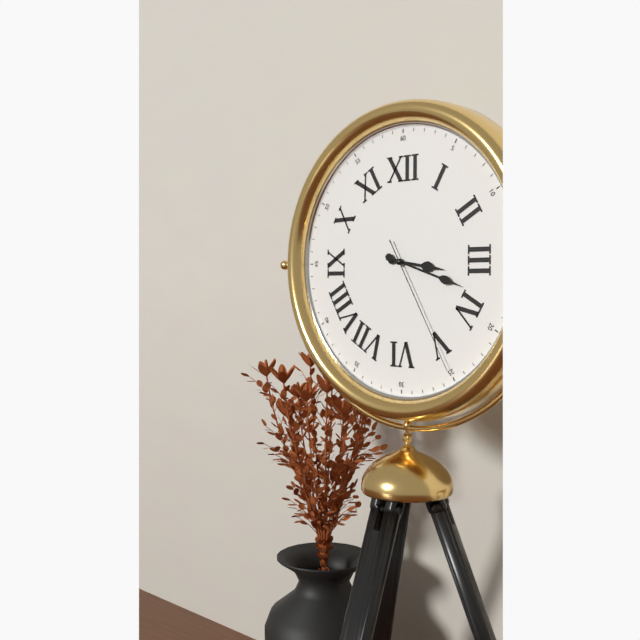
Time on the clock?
3:18:25
